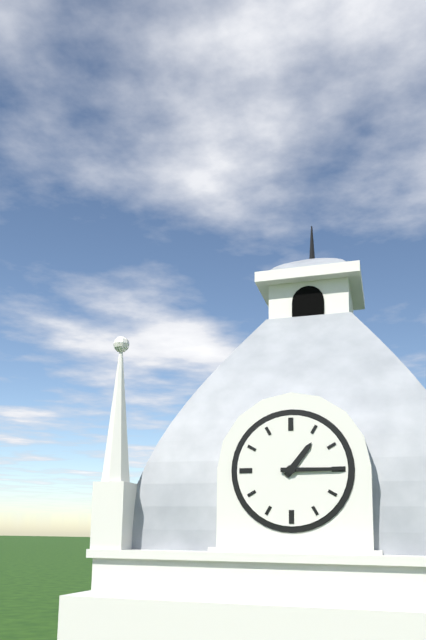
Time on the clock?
1:15
